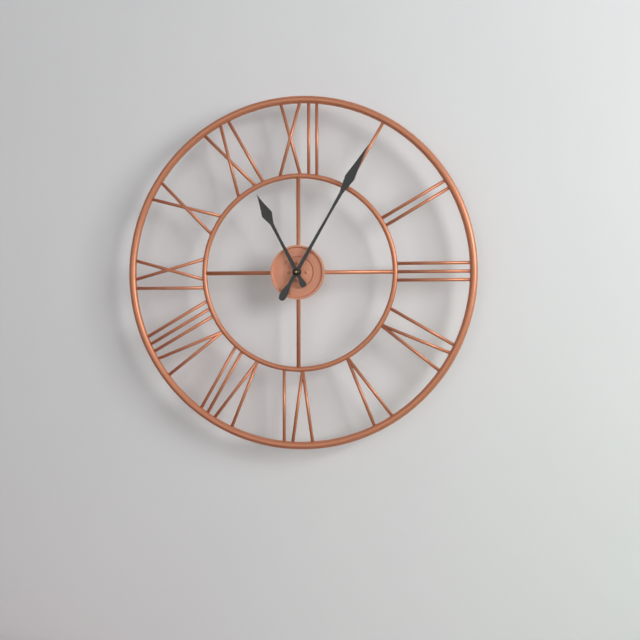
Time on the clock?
11:05
